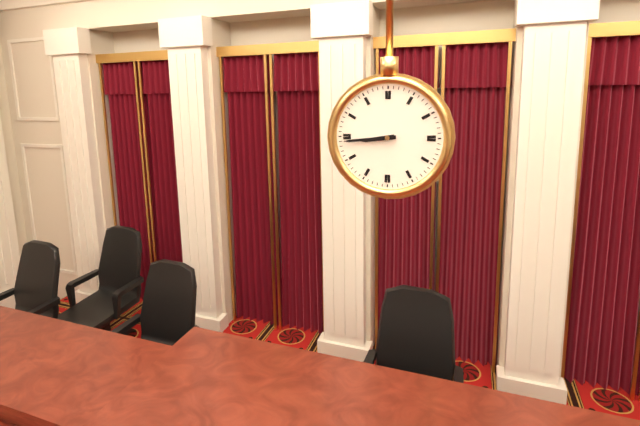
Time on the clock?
8:44
